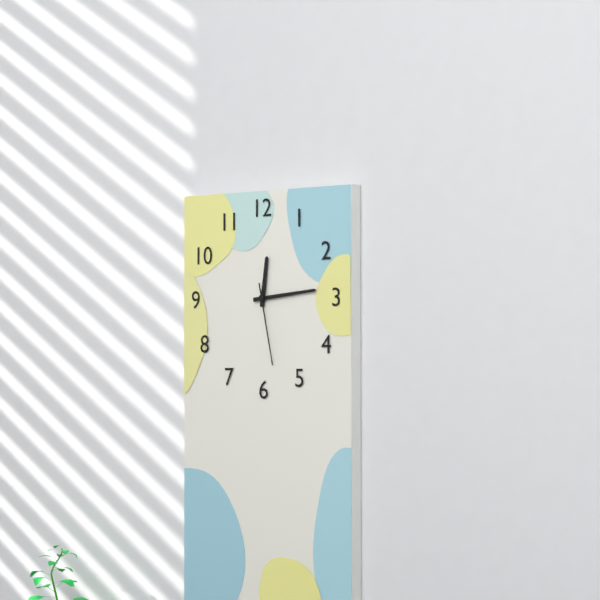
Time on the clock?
12:14:28
